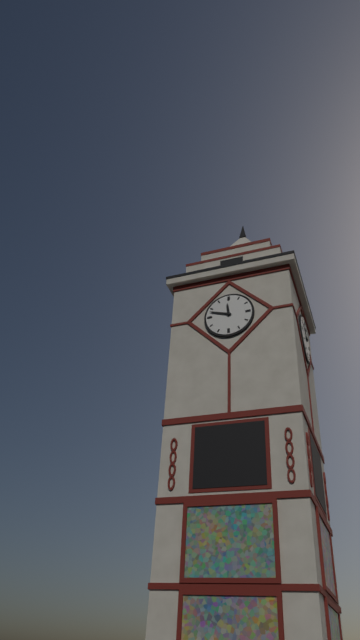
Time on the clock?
11:48
